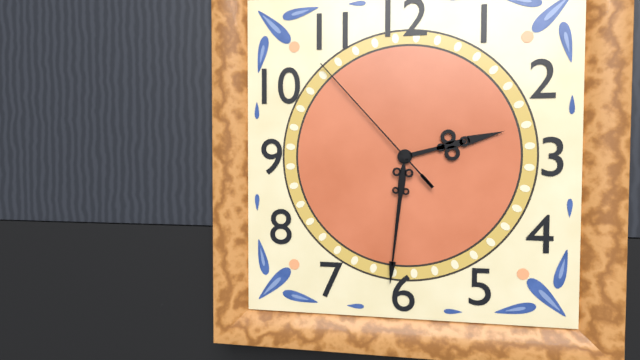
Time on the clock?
2:31:53
